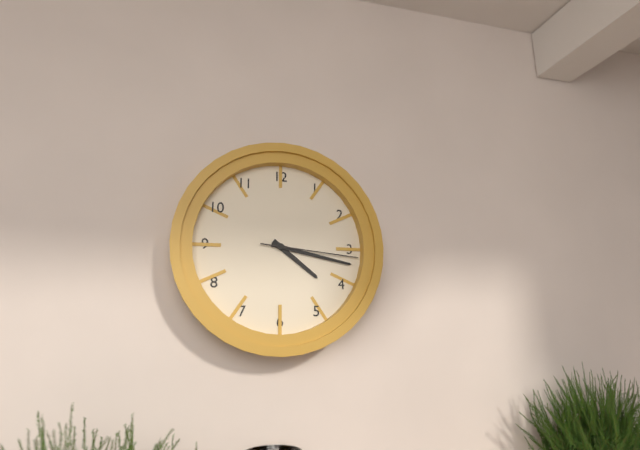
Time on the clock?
4:17:16
